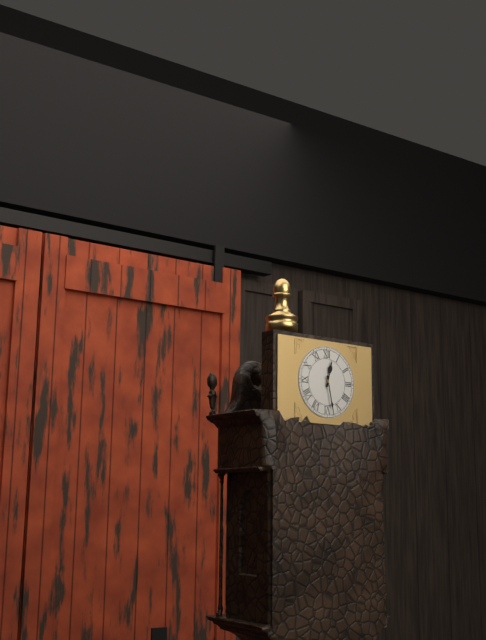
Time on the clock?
12:28
